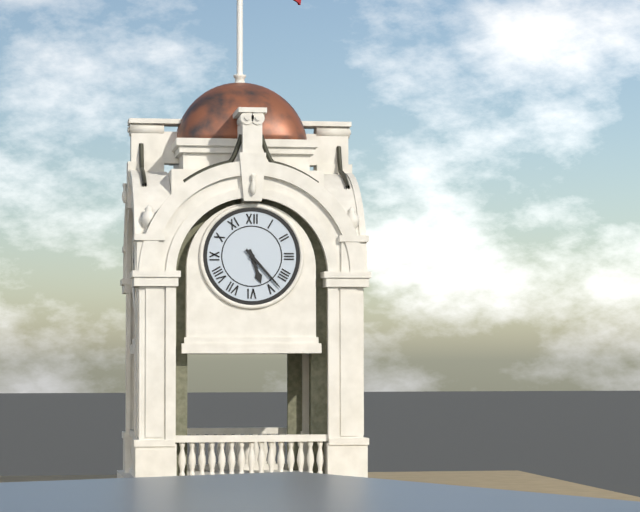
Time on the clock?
5:23
